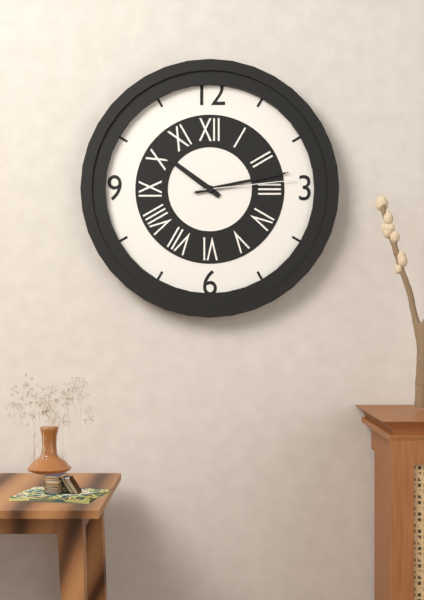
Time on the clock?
10:13:14
